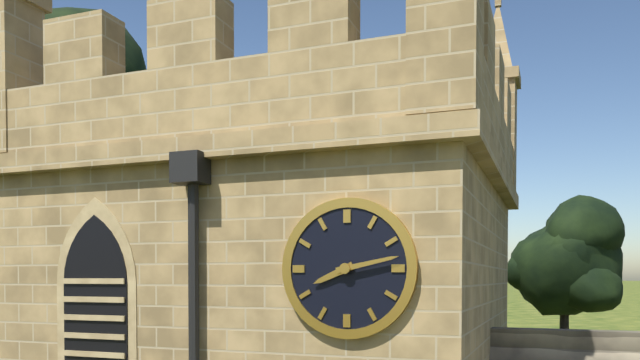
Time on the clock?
8:13
